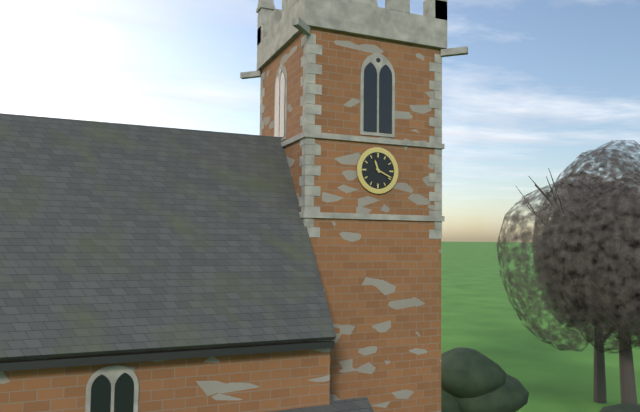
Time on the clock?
11:19
